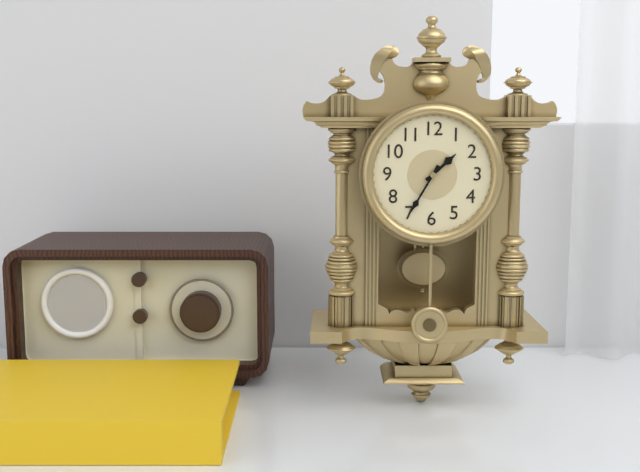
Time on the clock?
1:35
